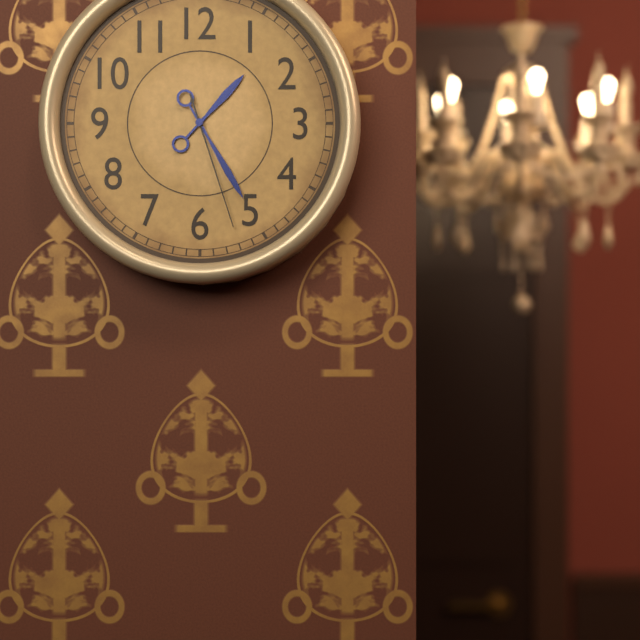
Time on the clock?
1:25:27
